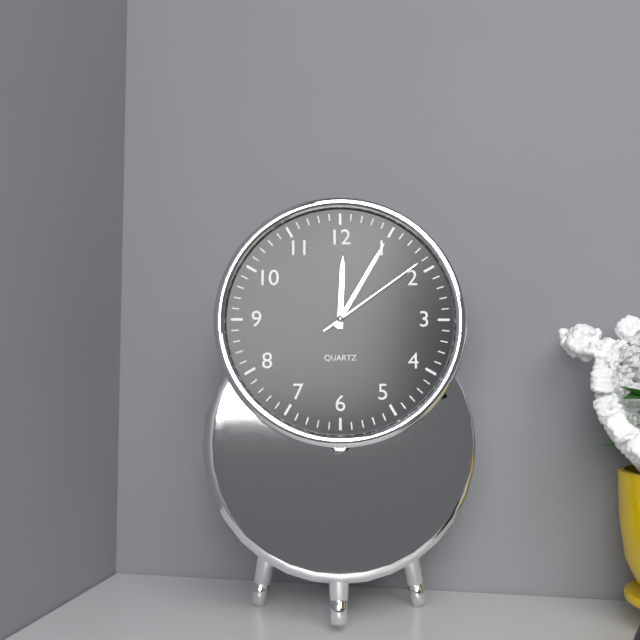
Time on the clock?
12:05:09
